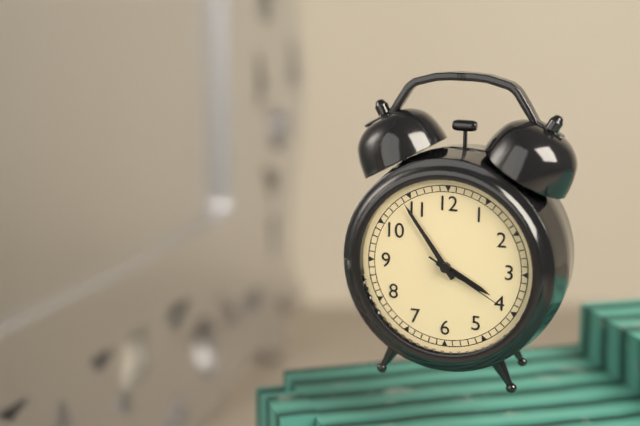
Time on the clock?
3:54:20
